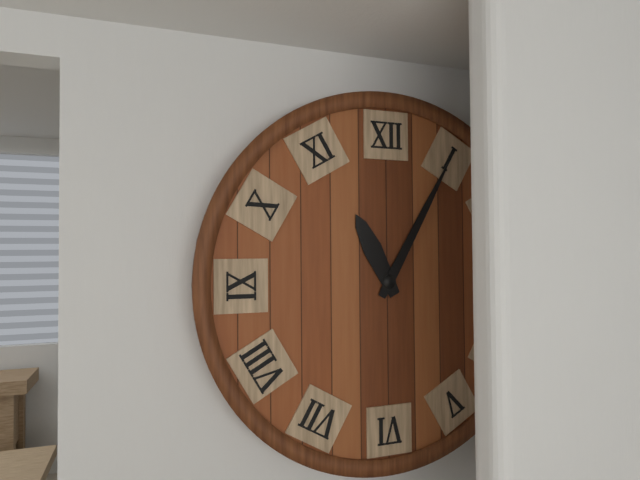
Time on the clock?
11:05
